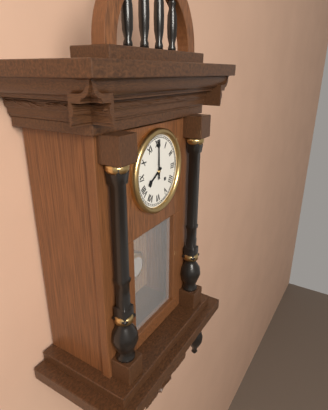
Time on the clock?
8:00
